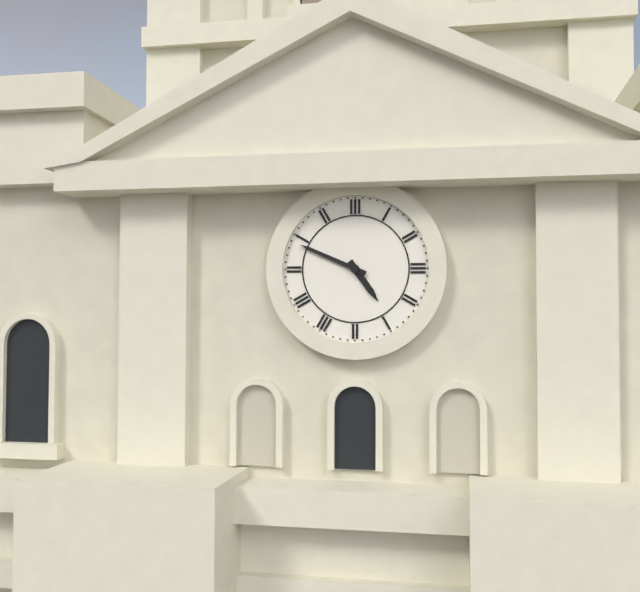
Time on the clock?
4:49
